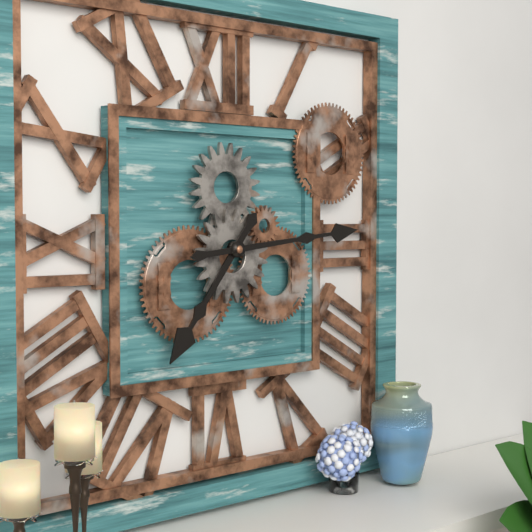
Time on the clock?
7:14
